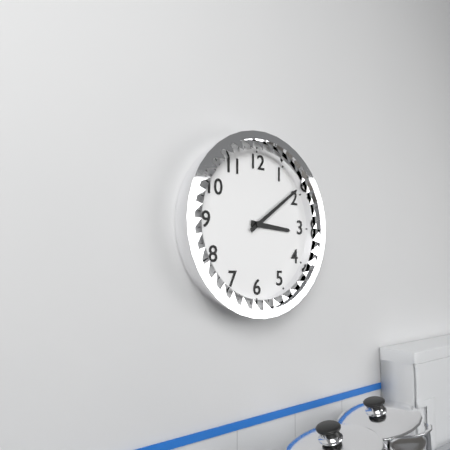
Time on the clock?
3:09
